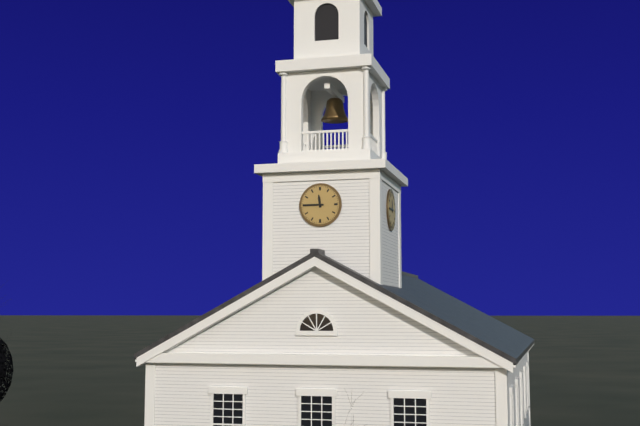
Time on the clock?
11:45
